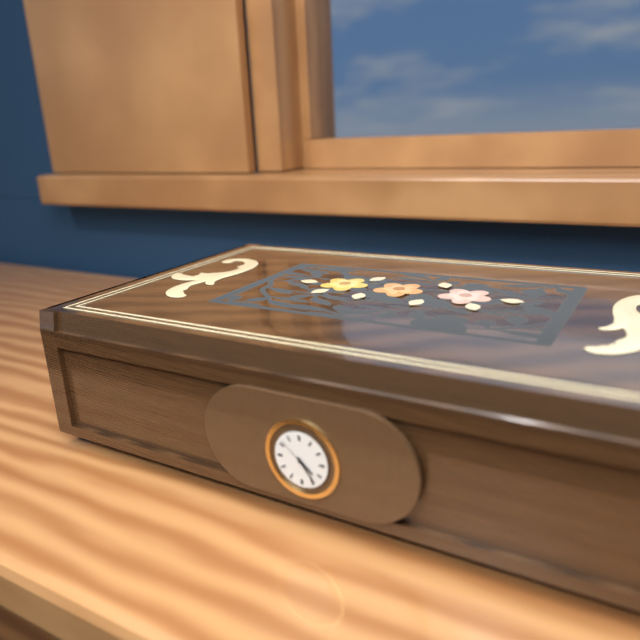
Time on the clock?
4:24:52
